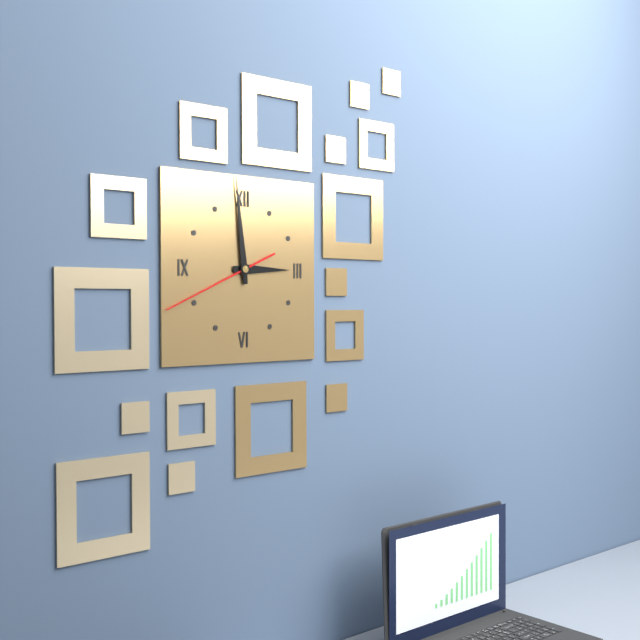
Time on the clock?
2:59:41
